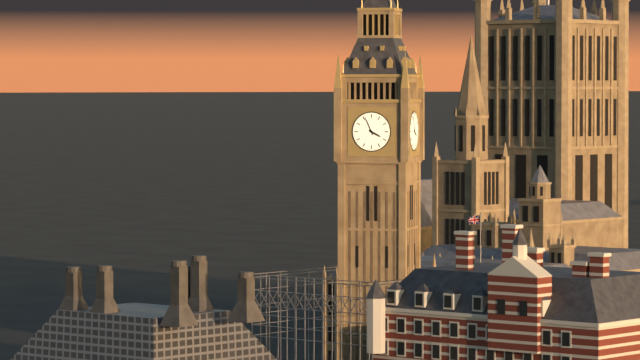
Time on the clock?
3:56
